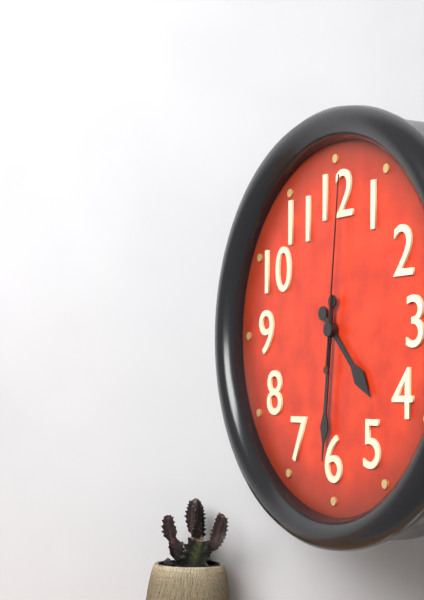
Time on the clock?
4:31:01
